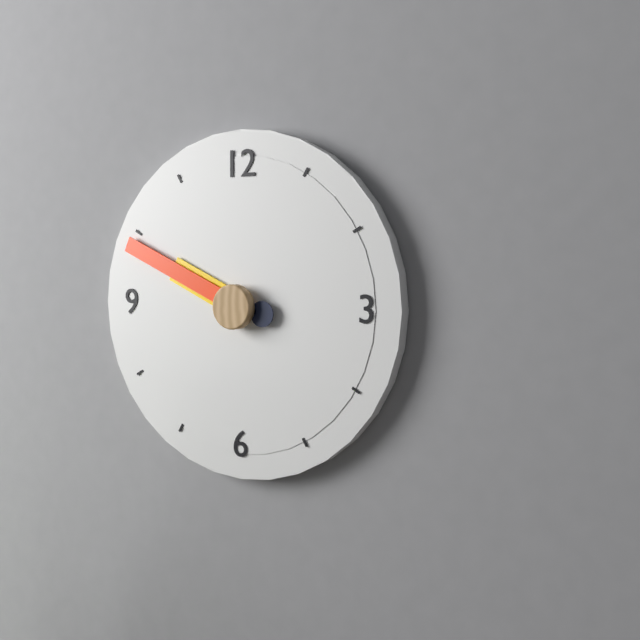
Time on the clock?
9:49
